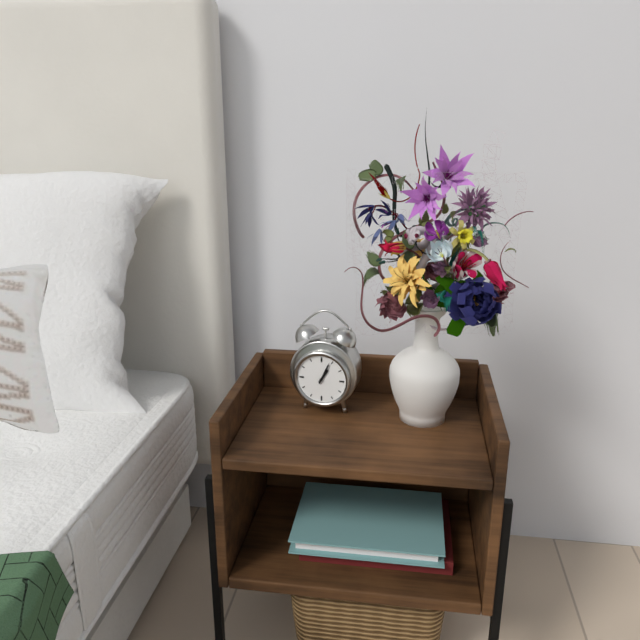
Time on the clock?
1:04
